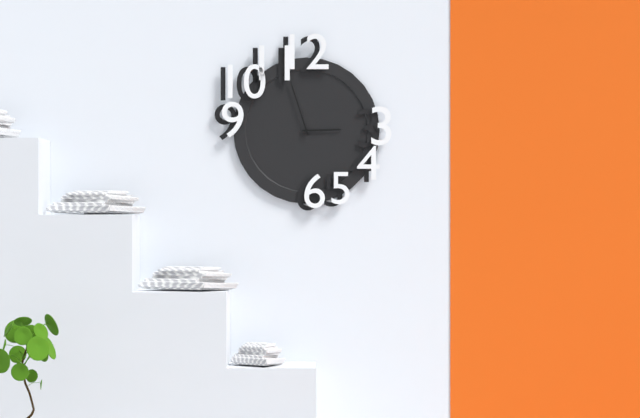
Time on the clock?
2:57
